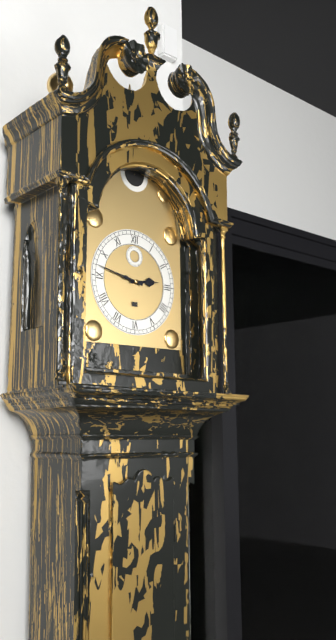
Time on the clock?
2:47
